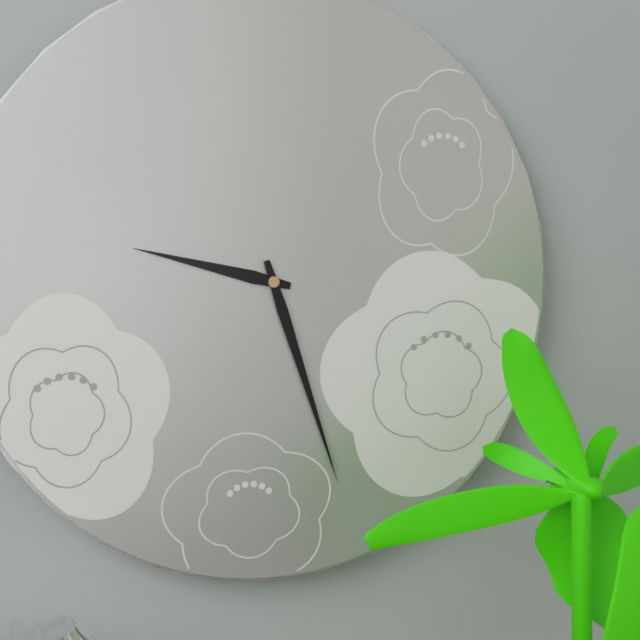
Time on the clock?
9:27
